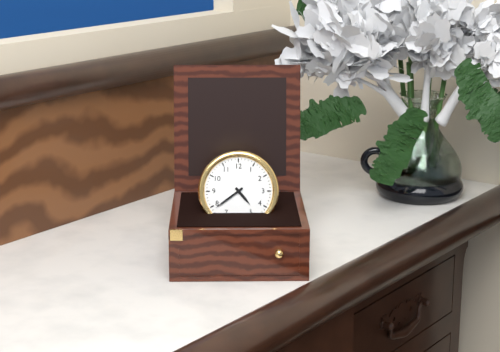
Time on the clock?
4:39
